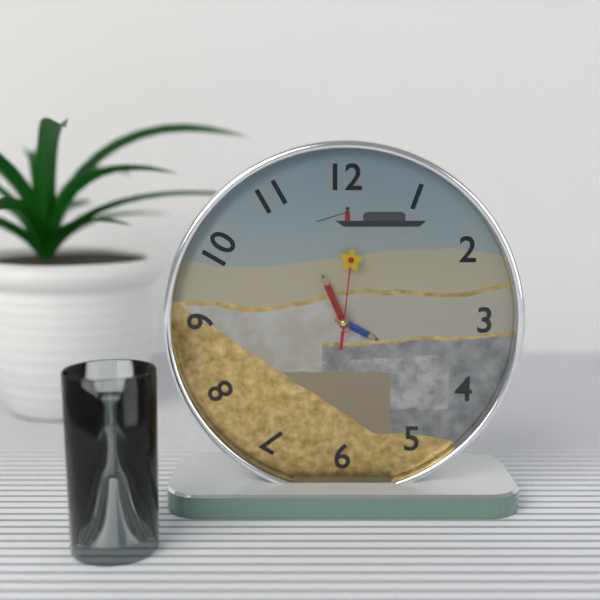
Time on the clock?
3:56:01
